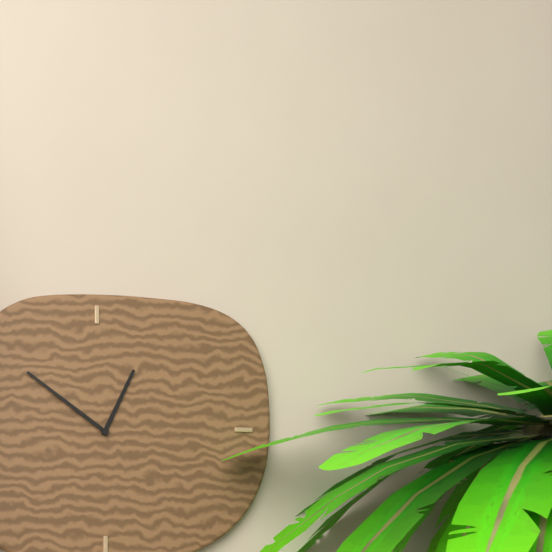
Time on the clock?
12:51
